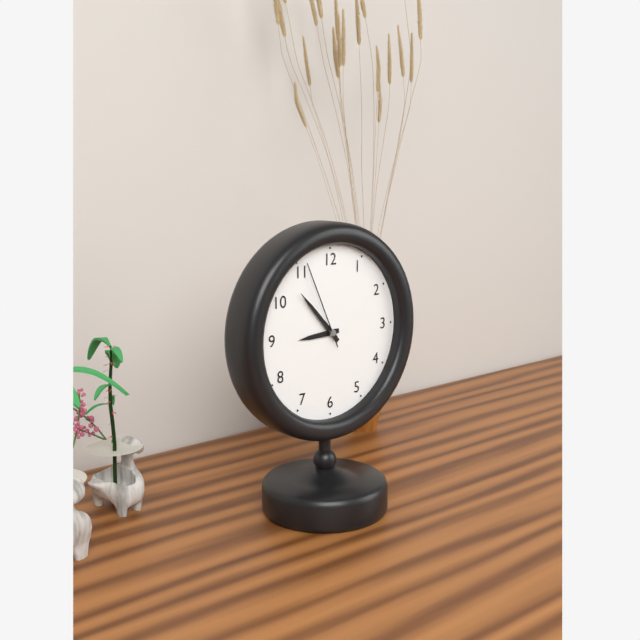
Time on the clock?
8:53:56
